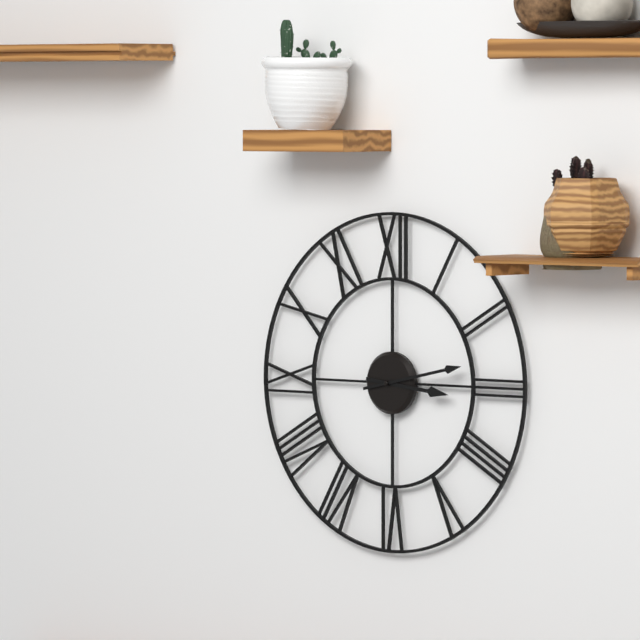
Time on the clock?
3:13
